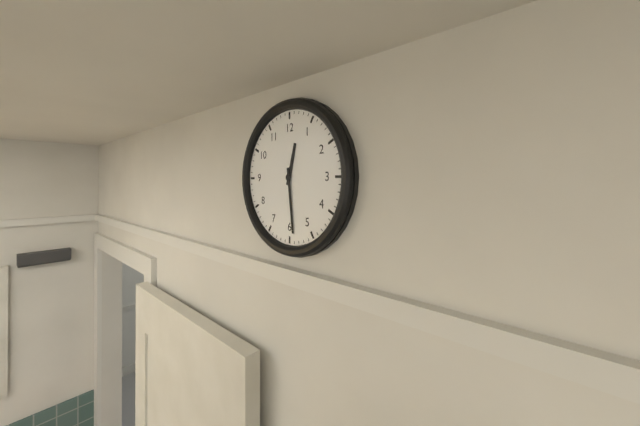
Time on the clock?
12:29
